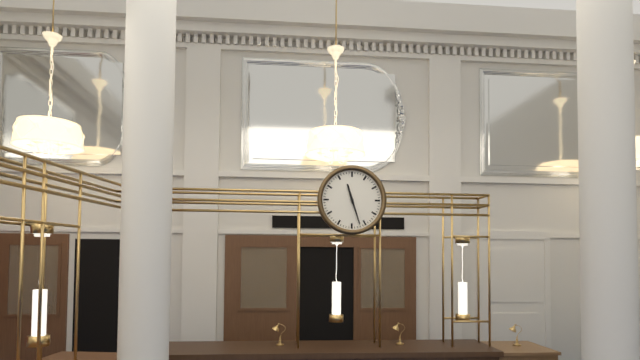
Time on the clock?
11:27
